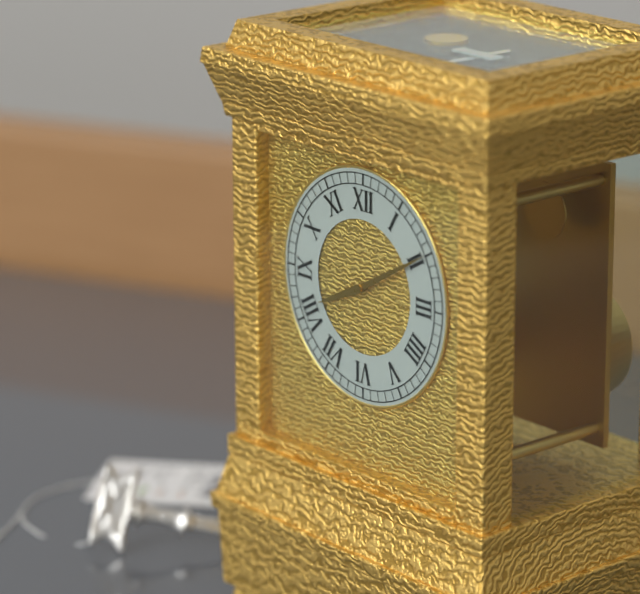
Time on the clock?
8:10
